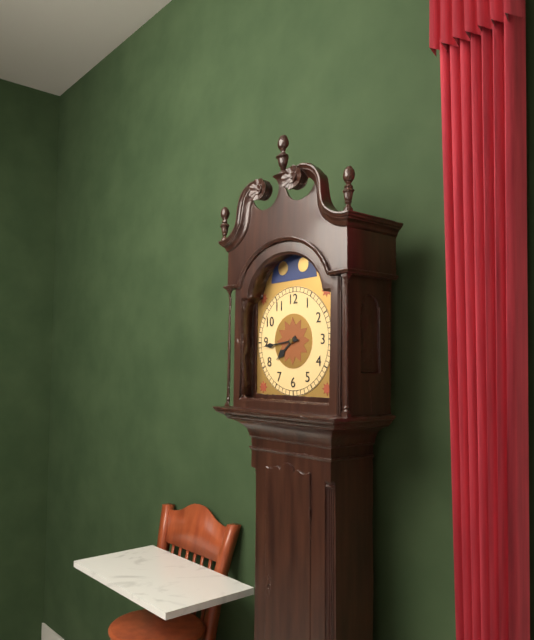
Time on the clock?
7:44
